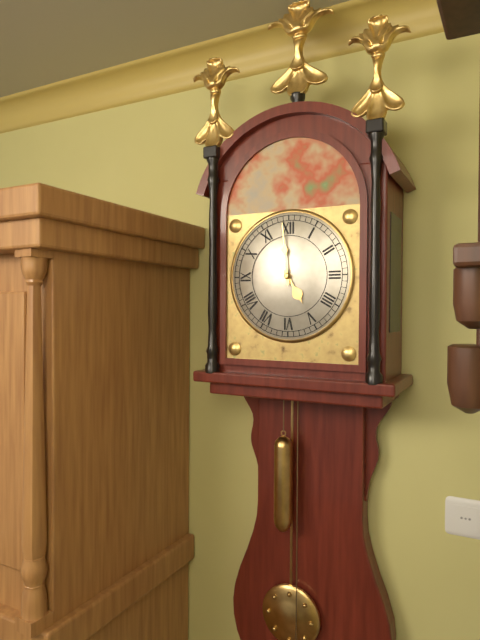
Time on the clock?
4:59
